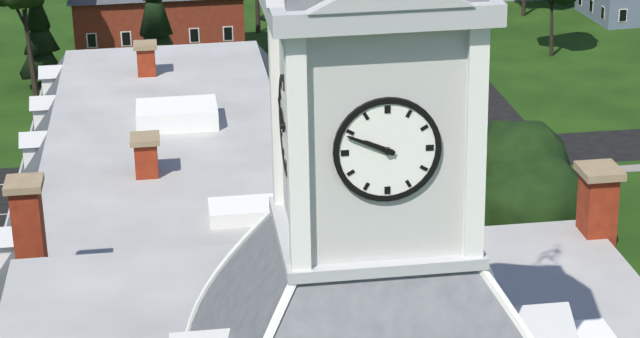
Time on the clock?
9:49
